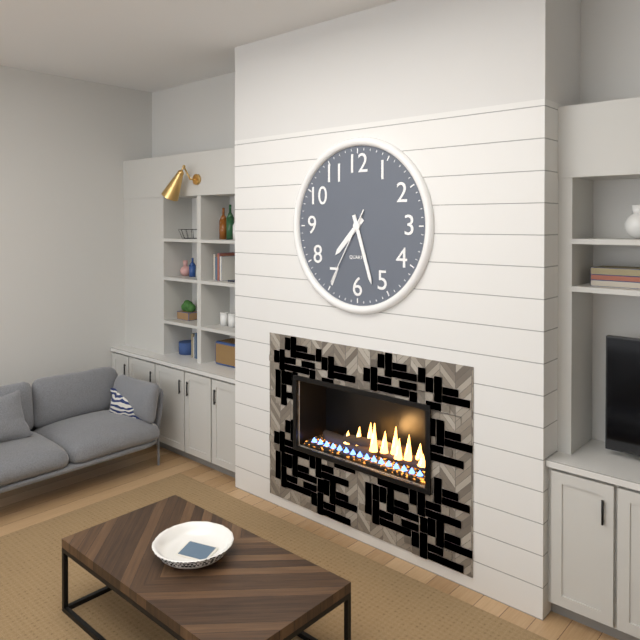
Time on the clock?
7:27:35
